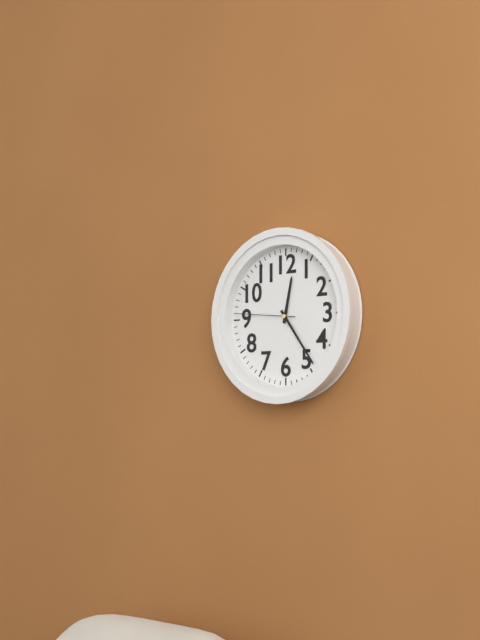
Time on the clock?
12:24:46
